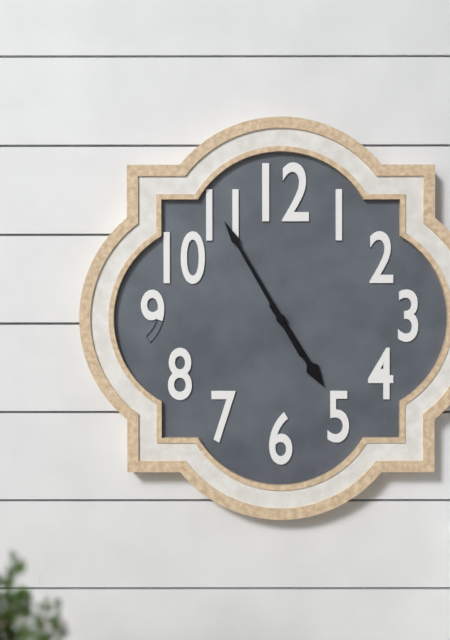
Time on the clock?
4:55
